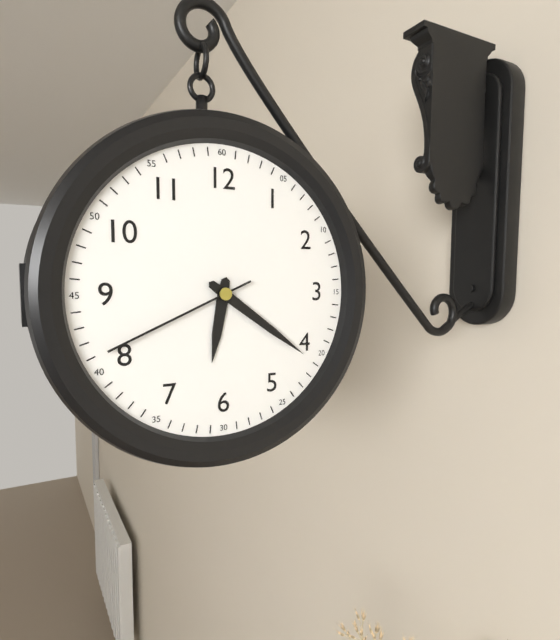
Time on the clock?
6:21:41
